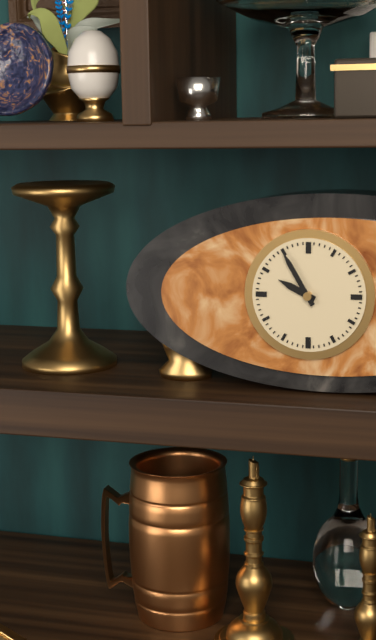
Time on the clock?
9:55
